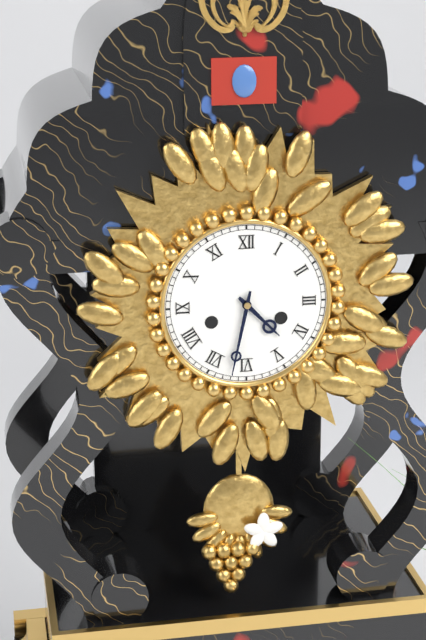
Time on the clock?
4:32
